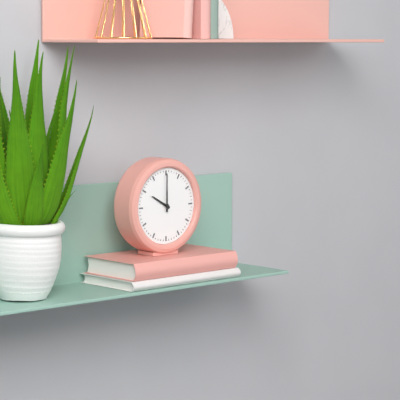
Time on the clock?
10:00
